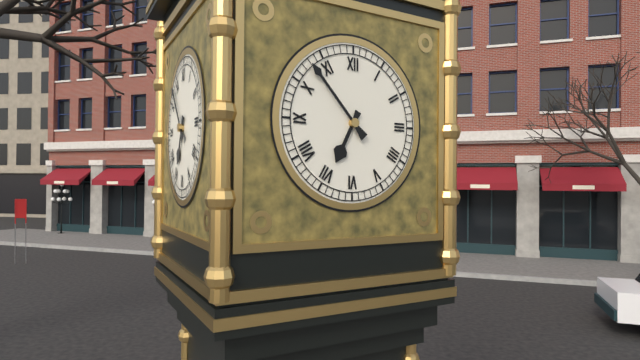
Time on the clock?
6:53
